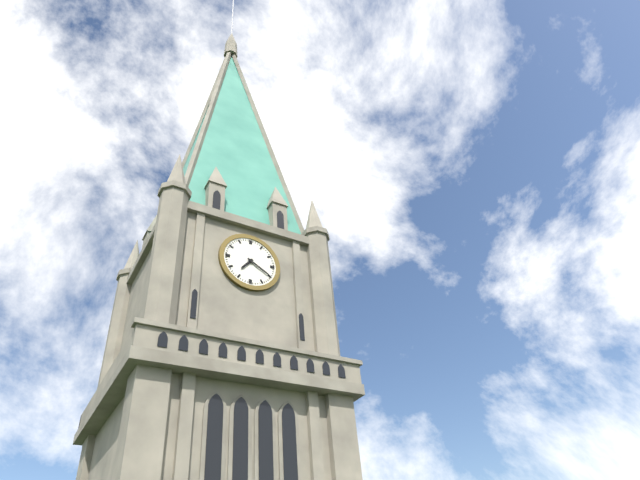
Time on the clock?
7:20
